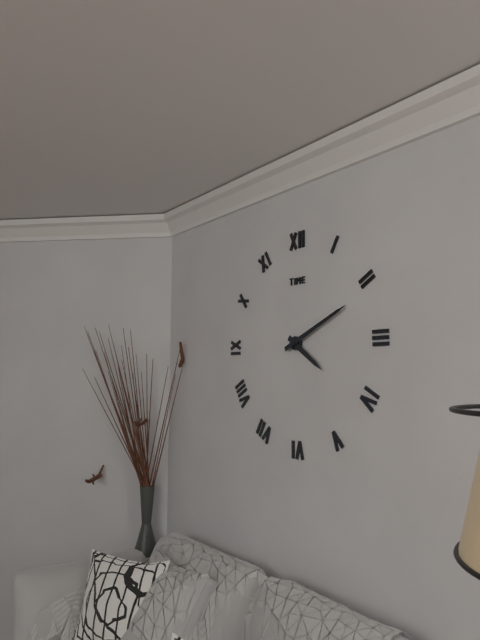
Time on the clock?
4:11
